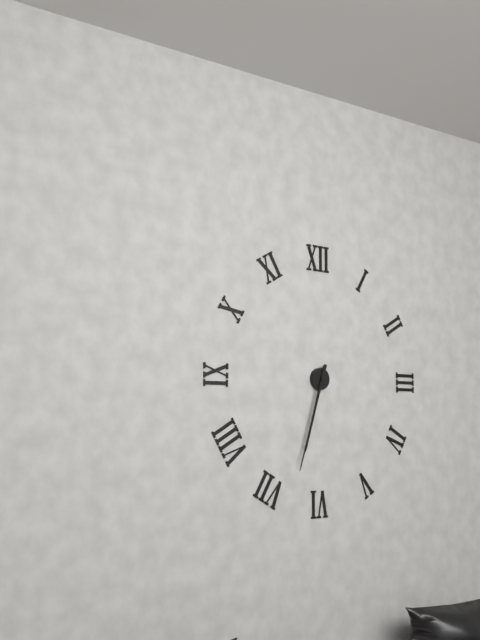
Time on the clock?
6:33
